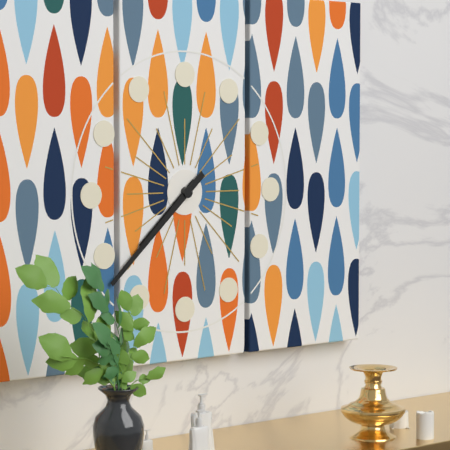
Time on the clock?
7:38
